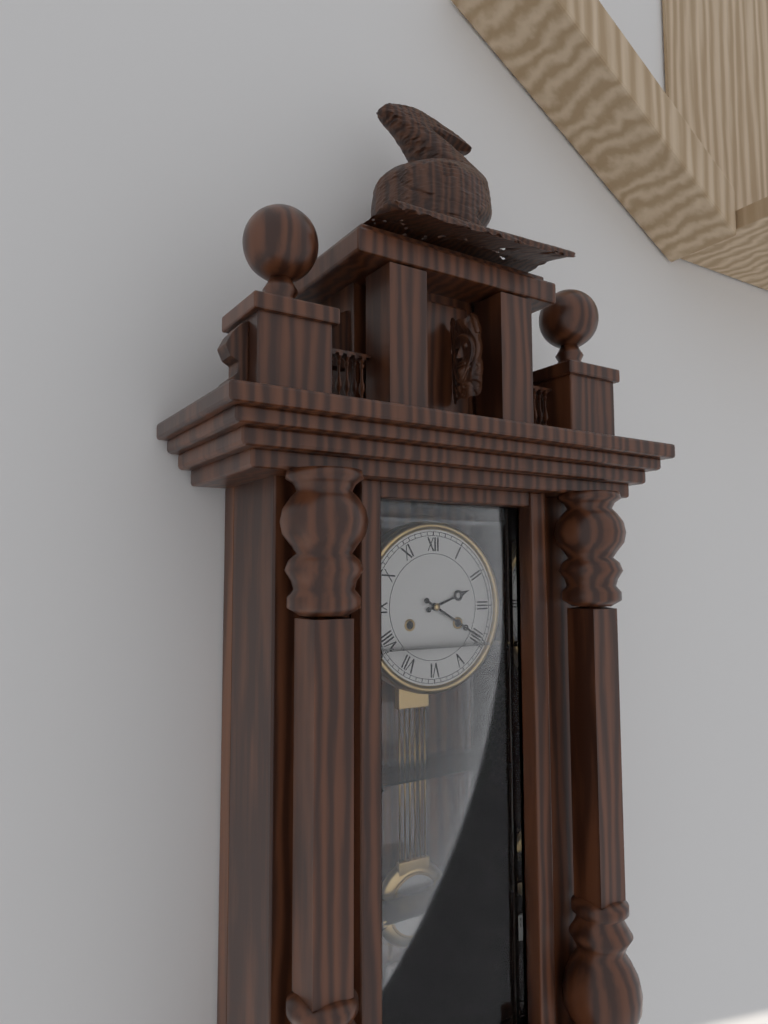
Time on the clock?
2:20
